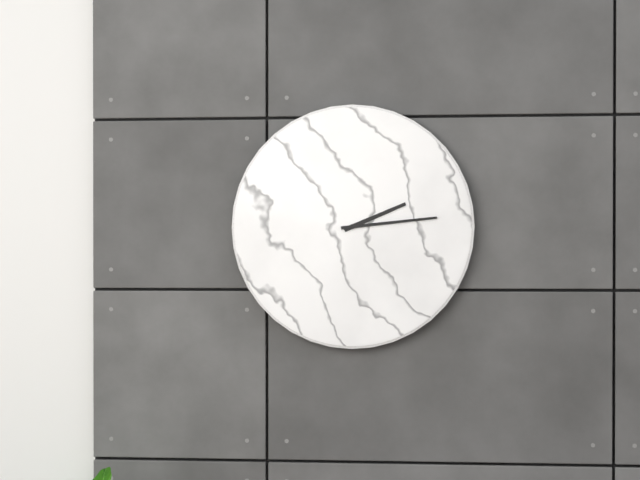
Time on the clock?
2:14
